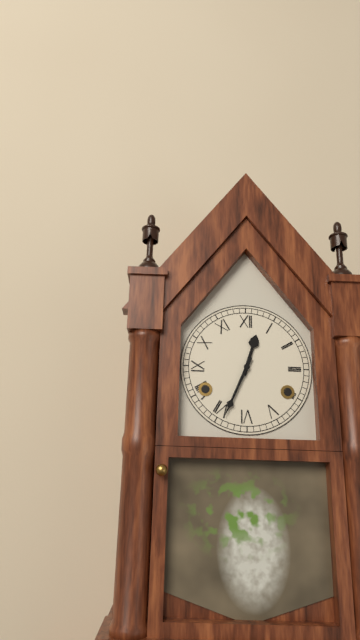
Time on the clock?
12:34
